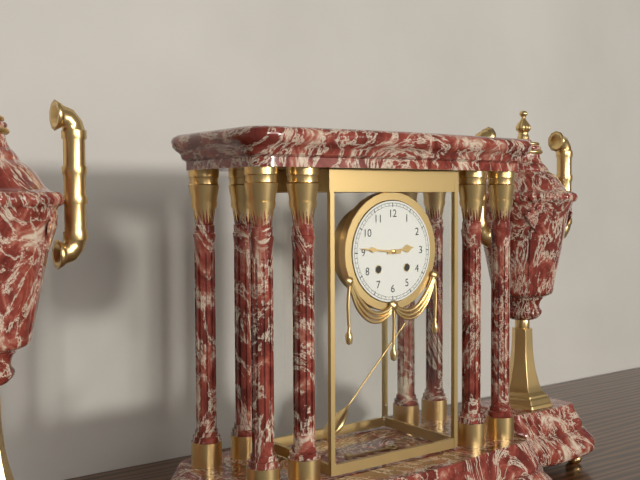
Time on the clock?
2:46
